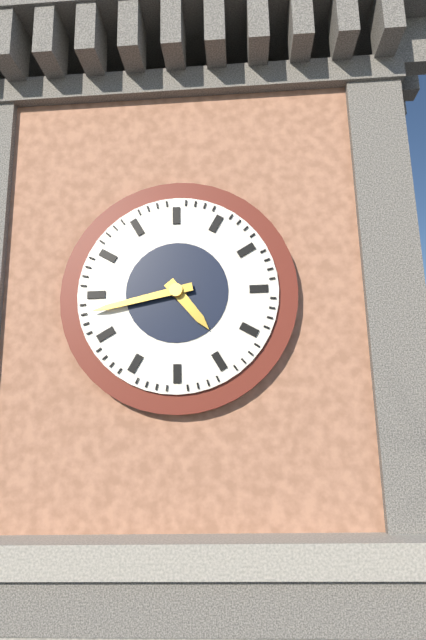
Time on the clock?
4:43
